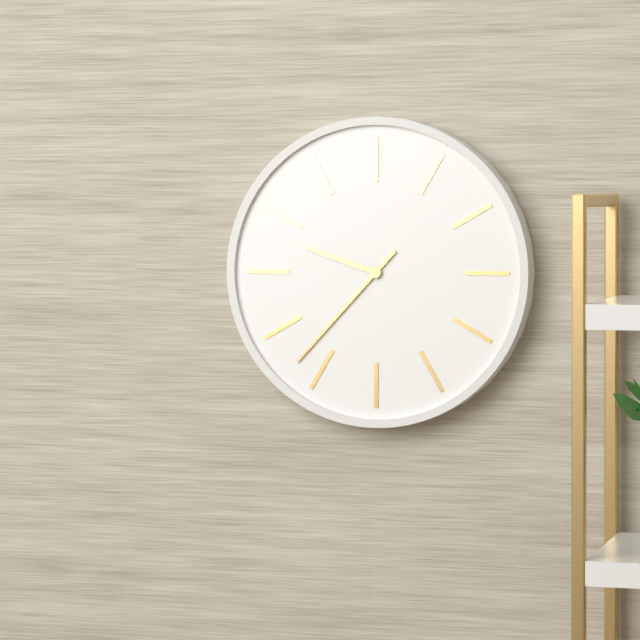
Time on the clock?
9:37
